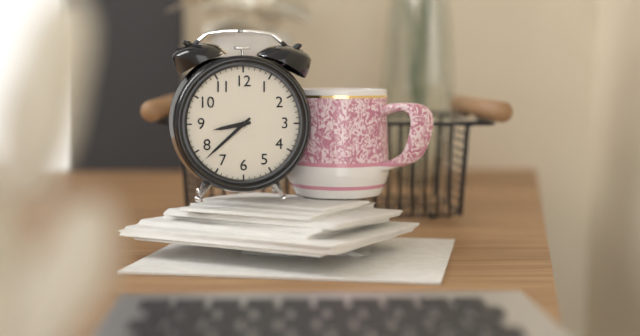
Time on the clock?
8:38
